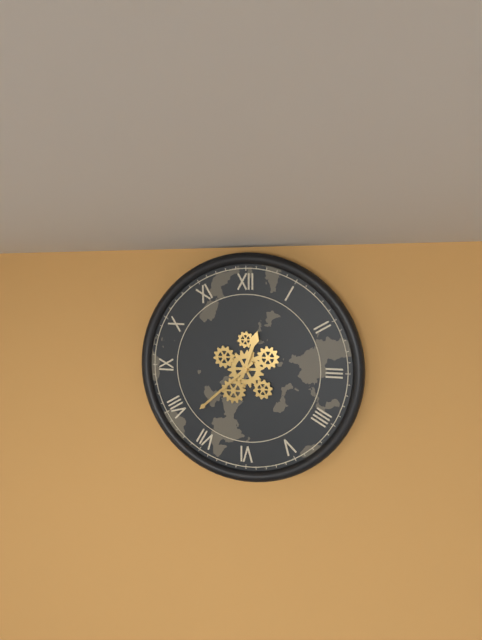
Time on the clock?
12:38
